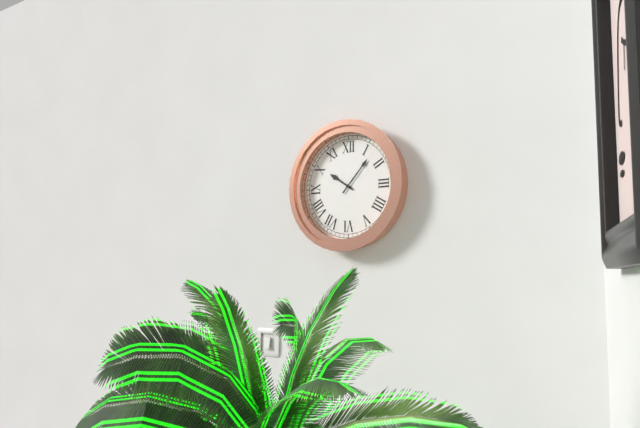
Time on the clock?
10:07
